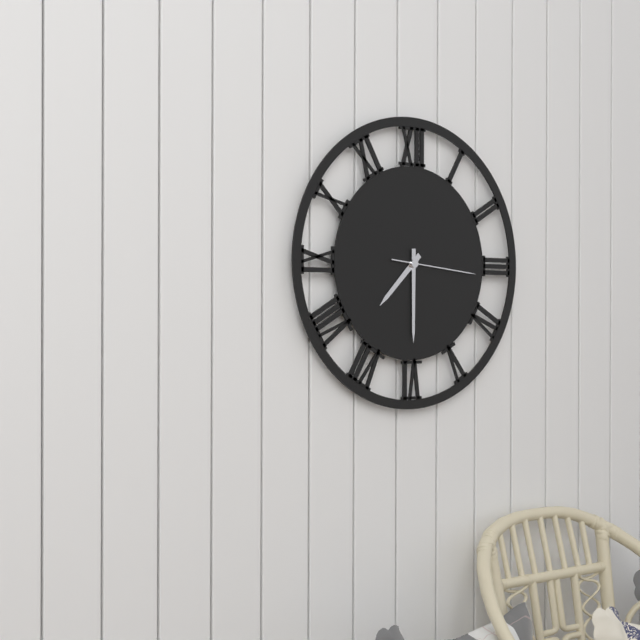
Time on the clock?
7:30:16
